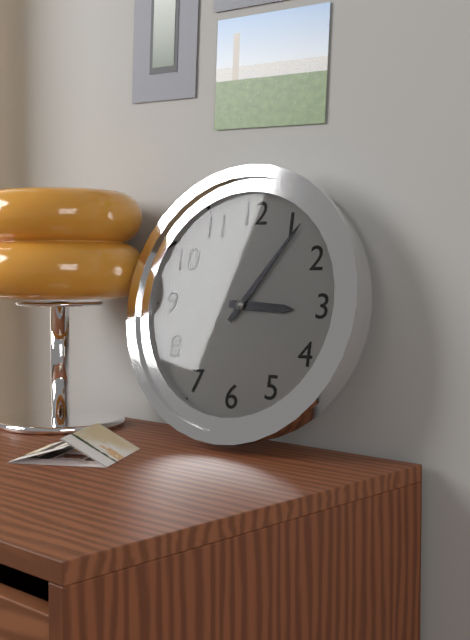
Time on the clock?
3:06
